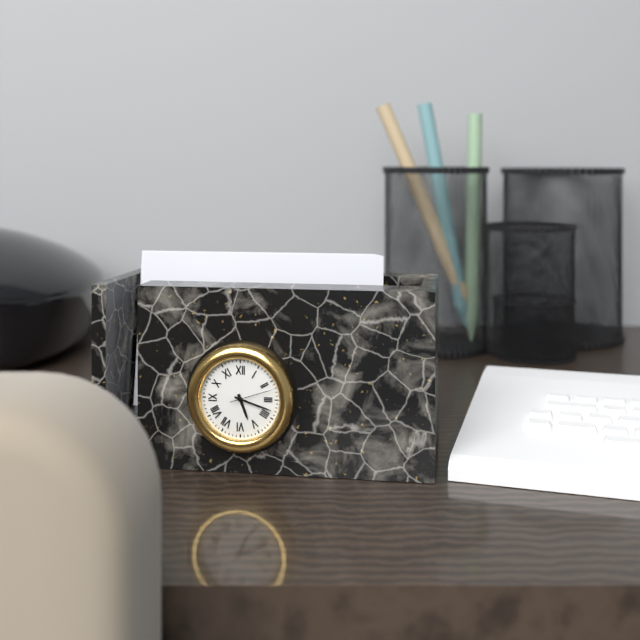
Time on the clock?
5:18
